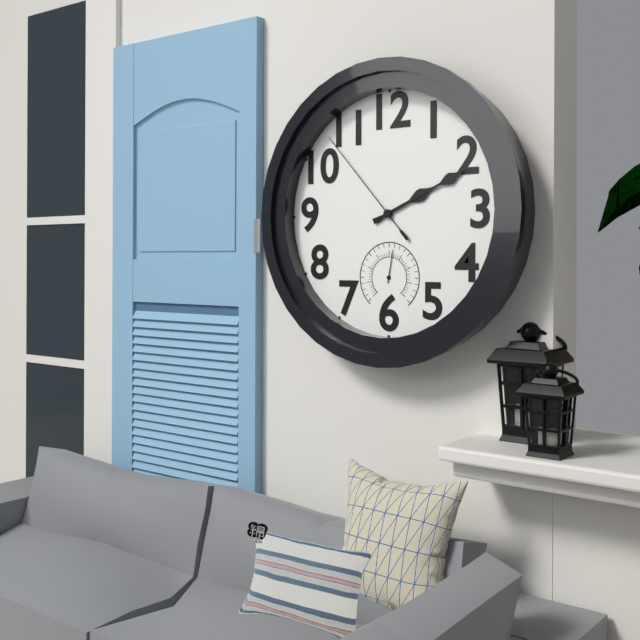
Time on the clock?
2:11:53
